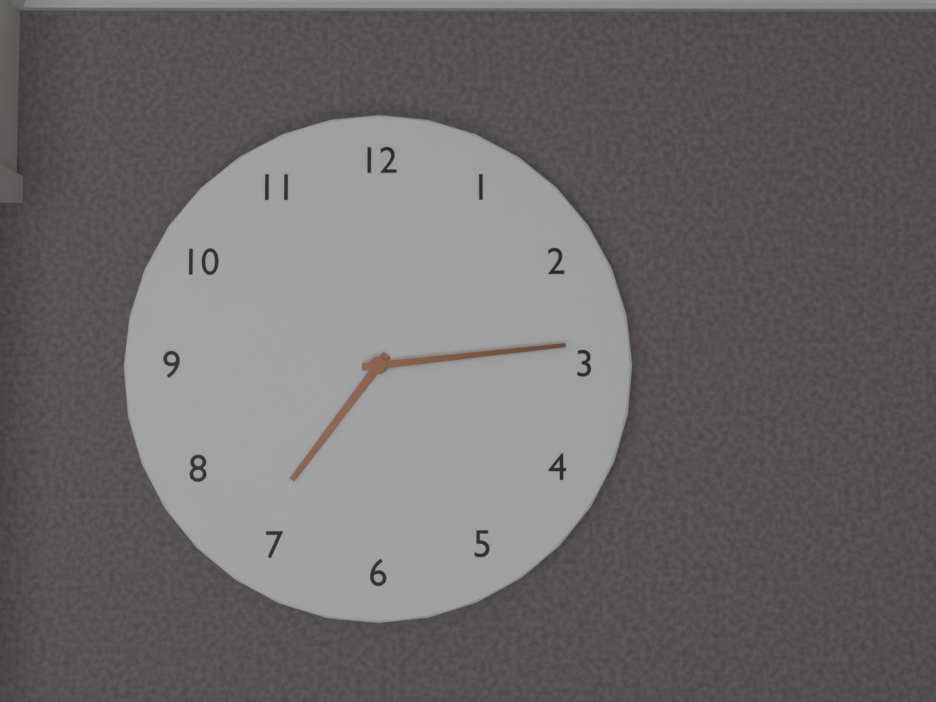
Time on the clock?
7:14
